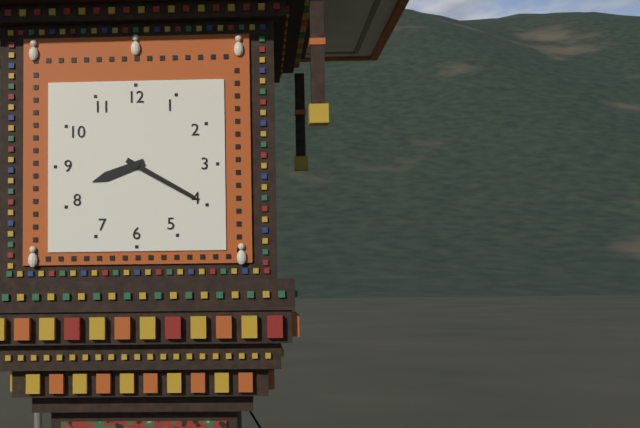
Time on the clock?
8:20
